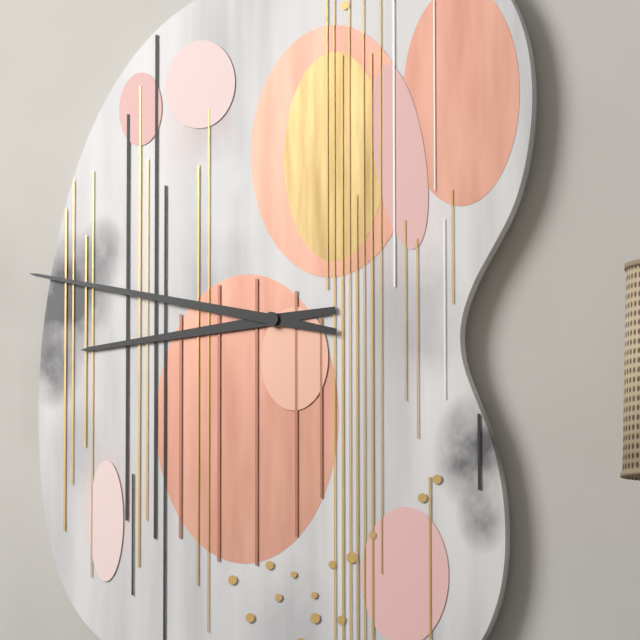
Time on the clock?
8:47
